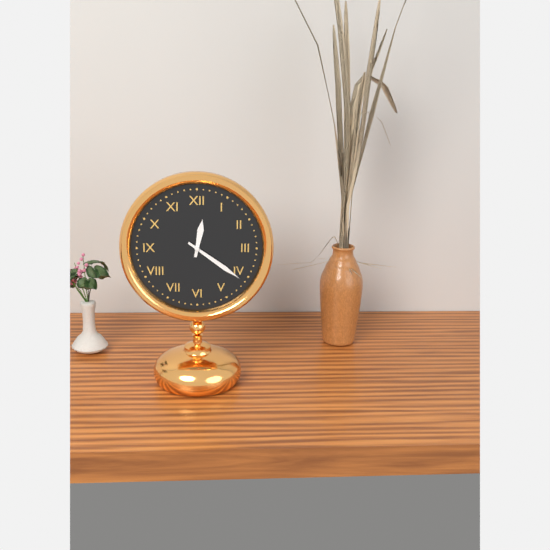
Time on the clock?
12:21
